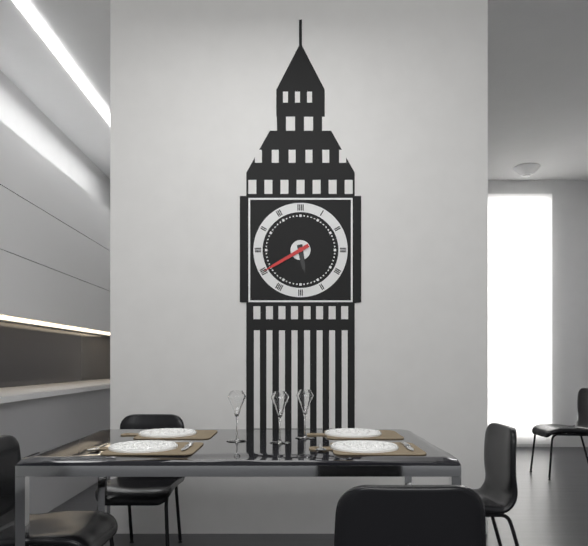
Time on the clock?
5:40
